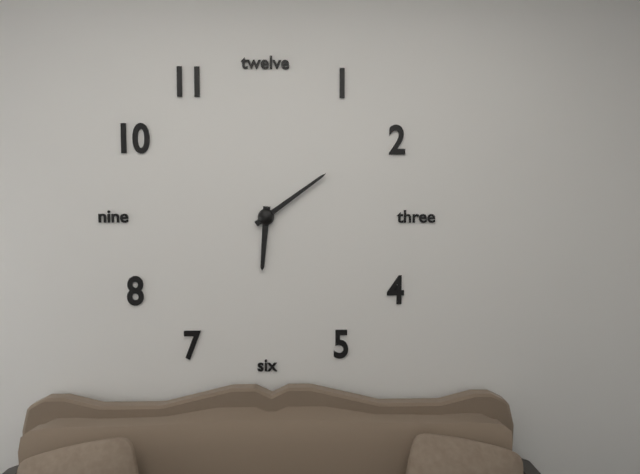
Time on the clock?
6:09
